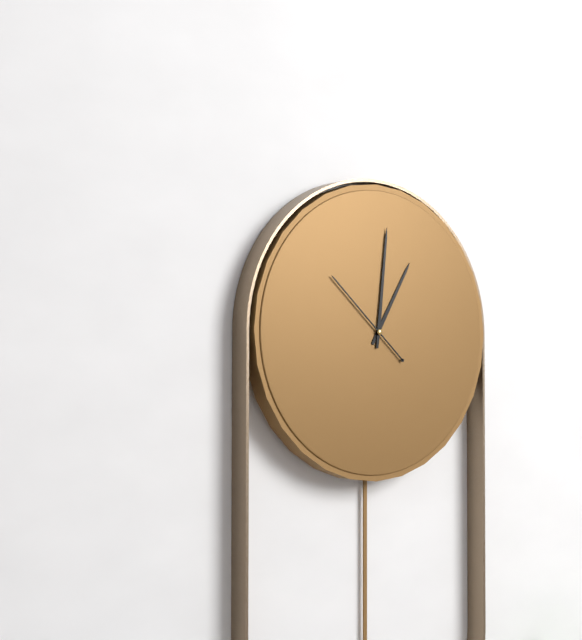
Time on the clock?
1:01:52
